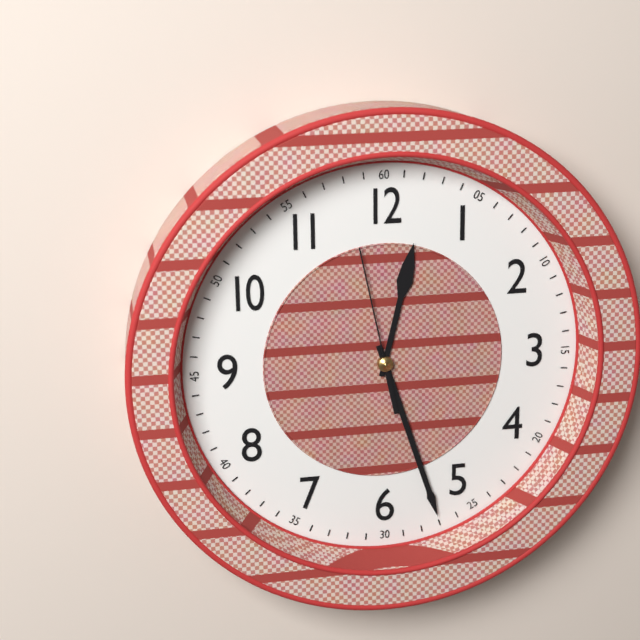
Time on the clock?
12:27:58
